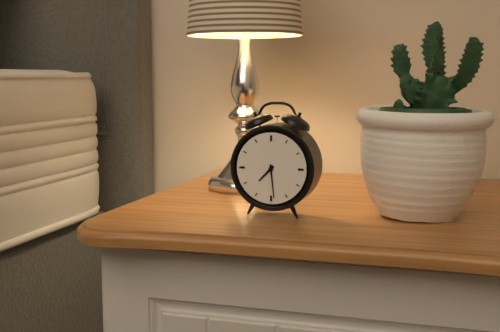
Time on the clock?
7:29
